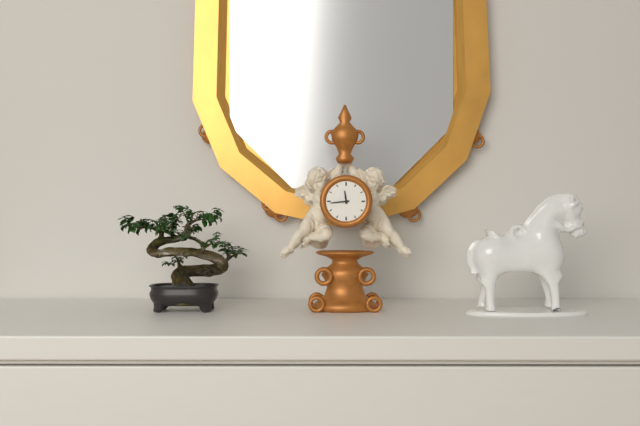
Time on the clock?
11:44
